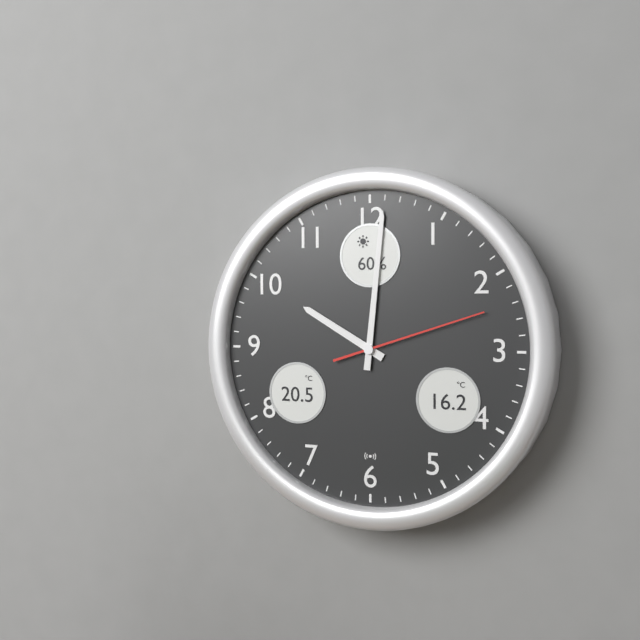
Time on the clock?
10:01:12
